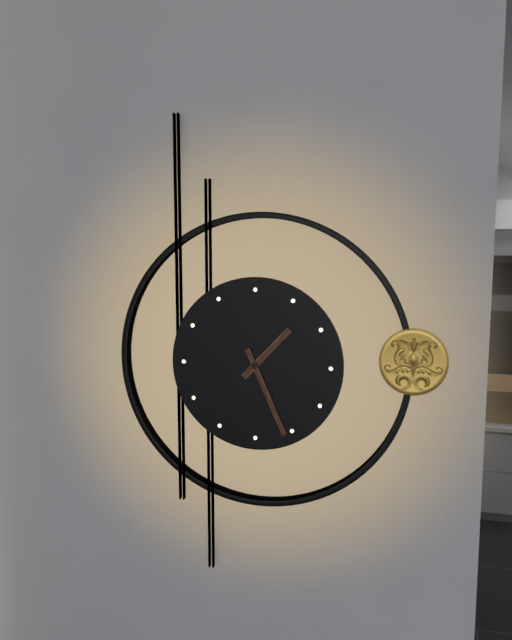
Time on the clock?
1:26
